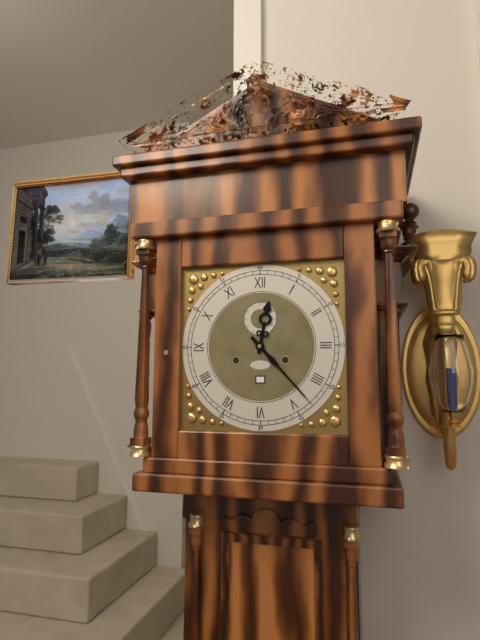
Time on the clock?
12:23
